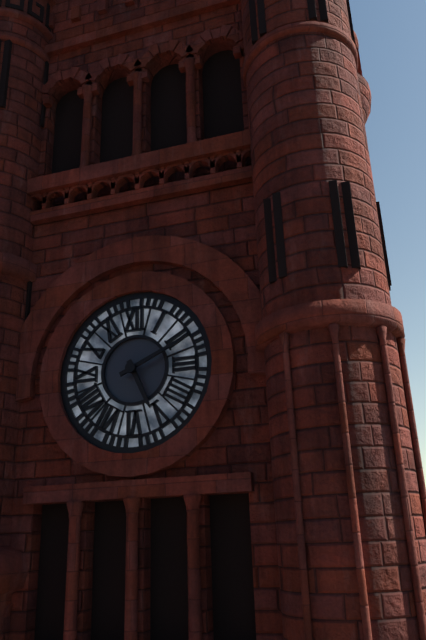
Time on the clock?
5:11
